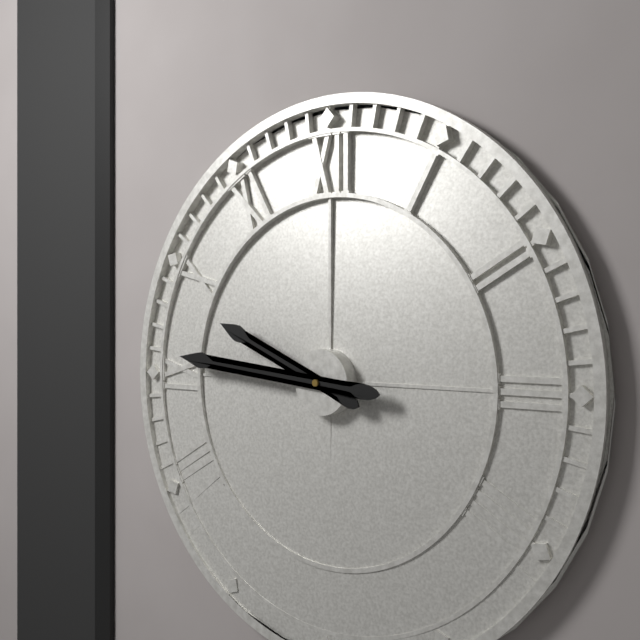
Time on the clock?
9:46
